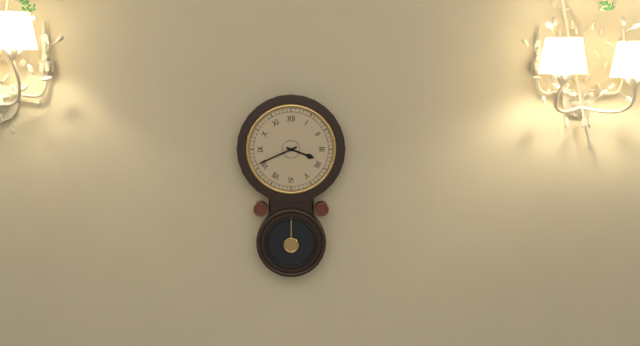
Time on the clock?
3:41
